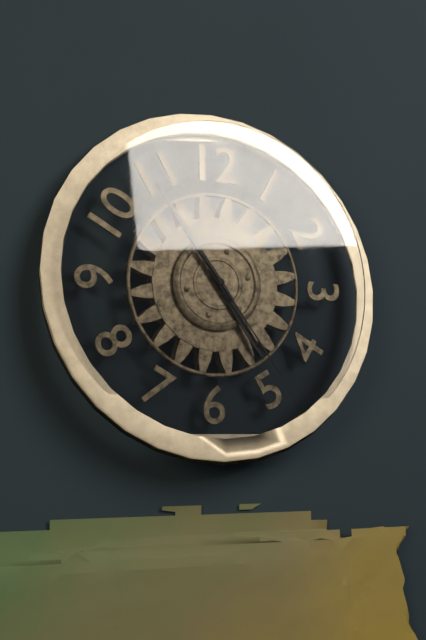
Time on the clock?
4:54:24
